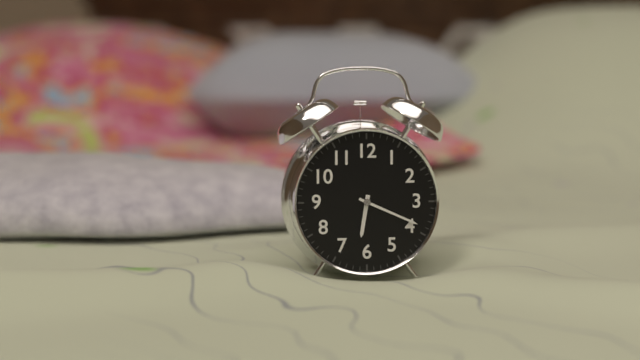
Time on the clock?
6:19
